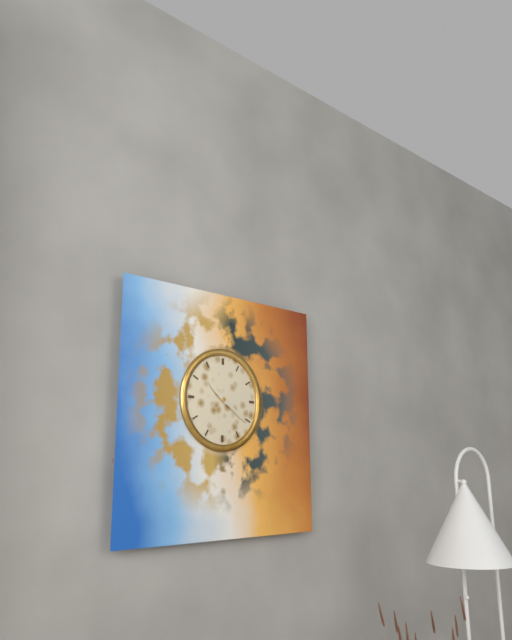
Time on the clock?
10:21
